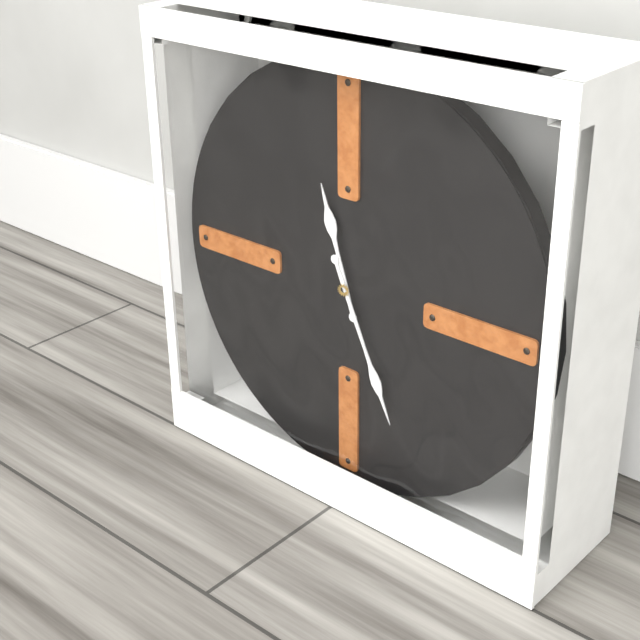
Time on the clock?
11:26
